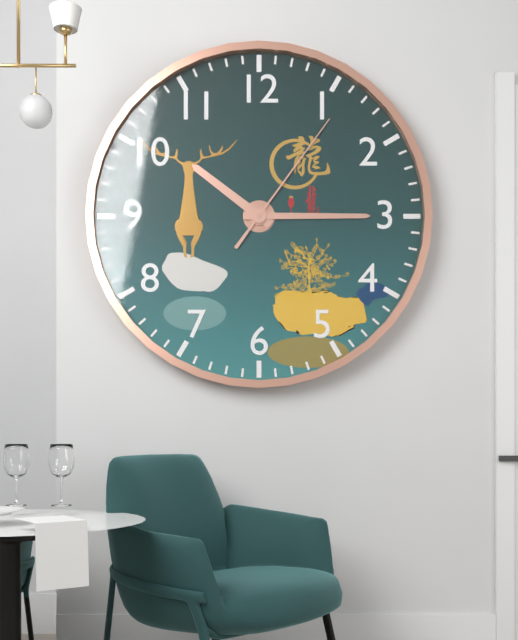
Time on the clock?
10:15:06
